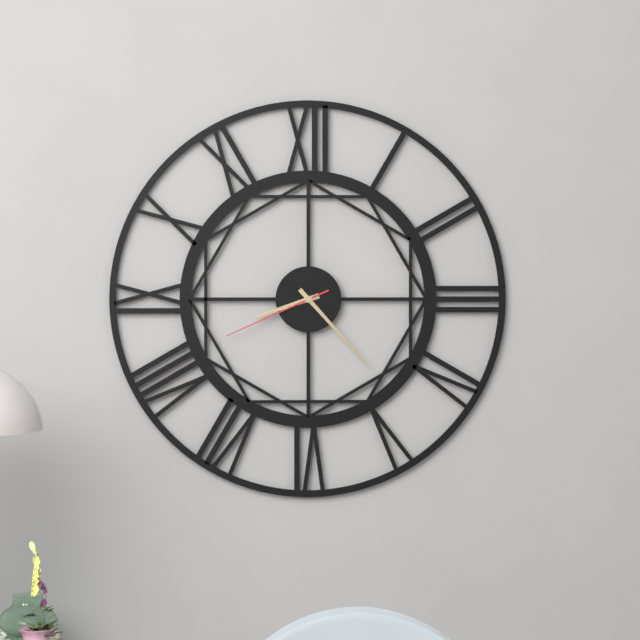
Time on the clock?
8:23:41
